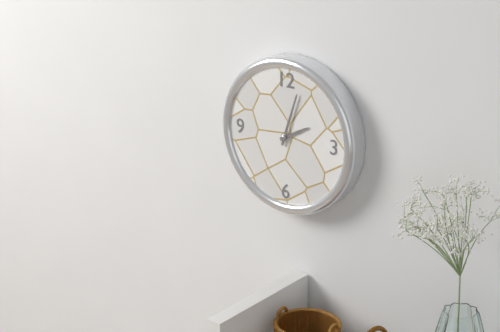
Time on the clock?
2:03
